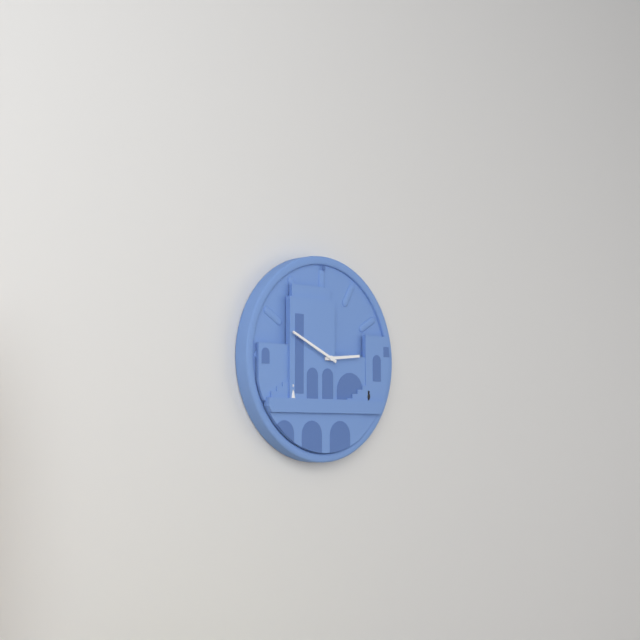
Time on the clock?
2:49
